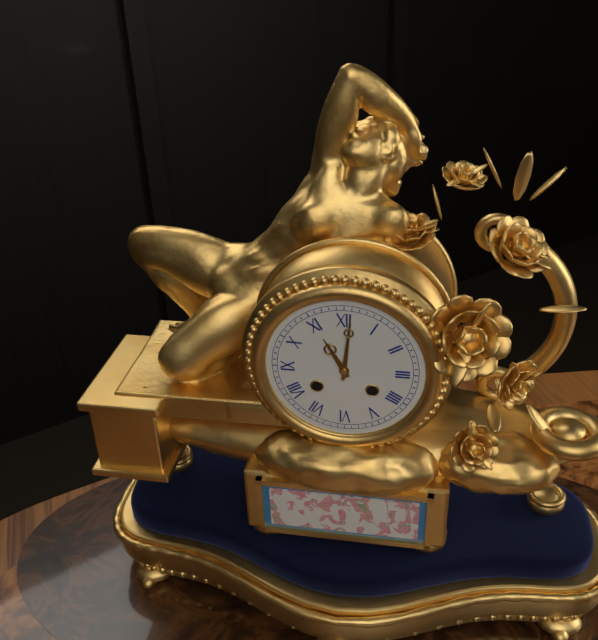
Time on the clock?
11:01
